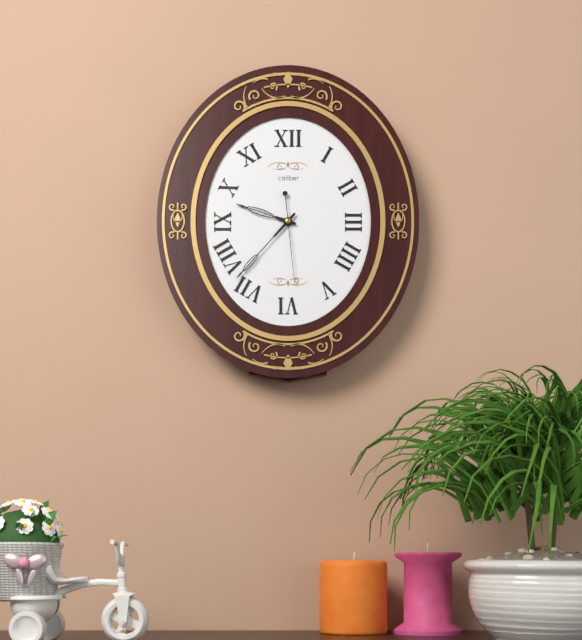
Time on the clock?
9:37:29
